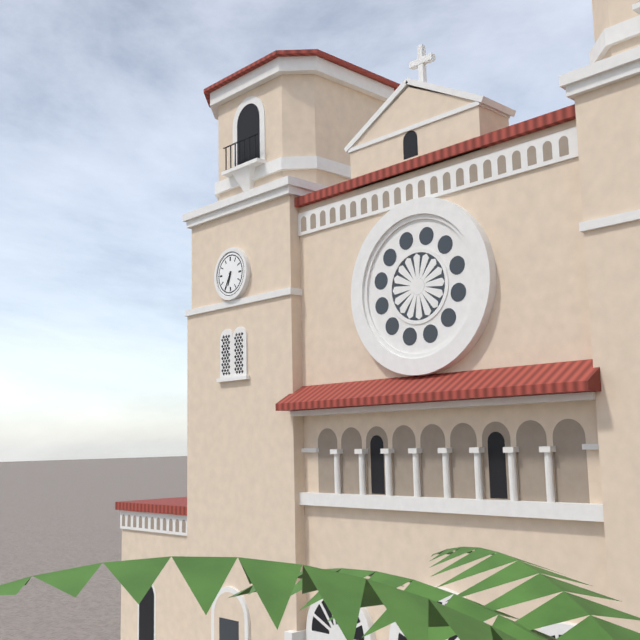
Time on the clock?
6:35
